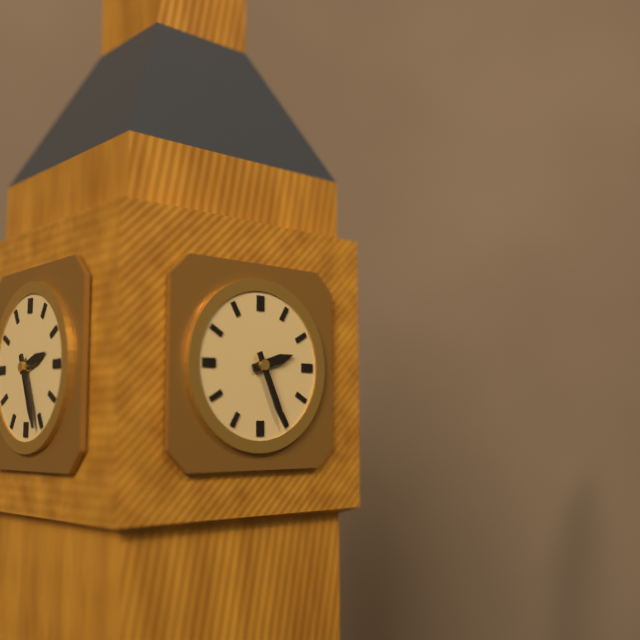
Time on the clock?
2:26
